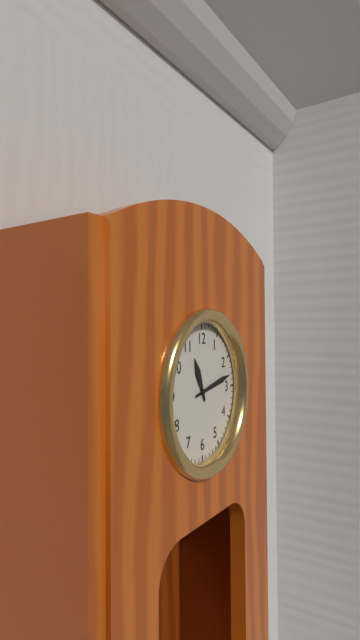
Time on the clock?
11:13
